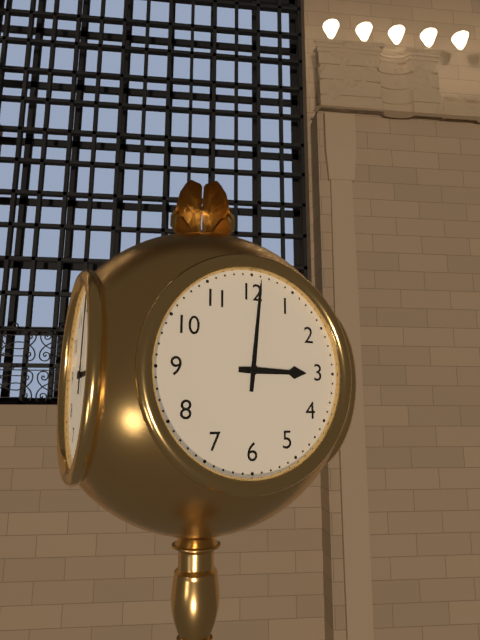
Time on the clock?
3:01
